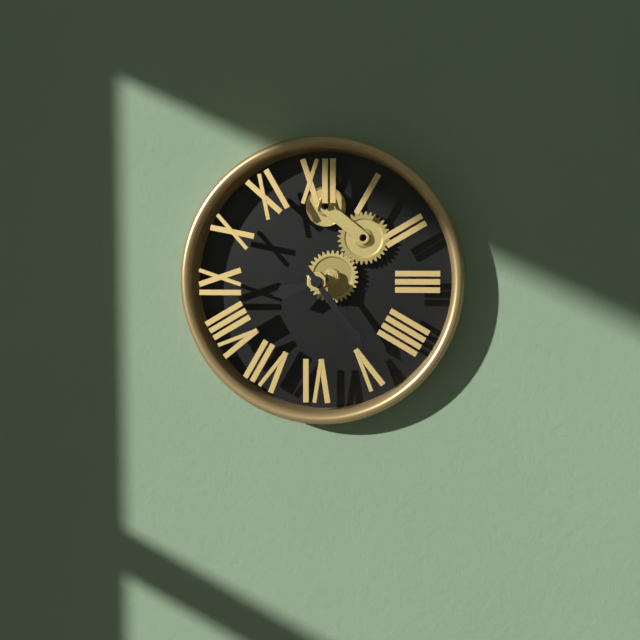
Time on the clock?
8:24
